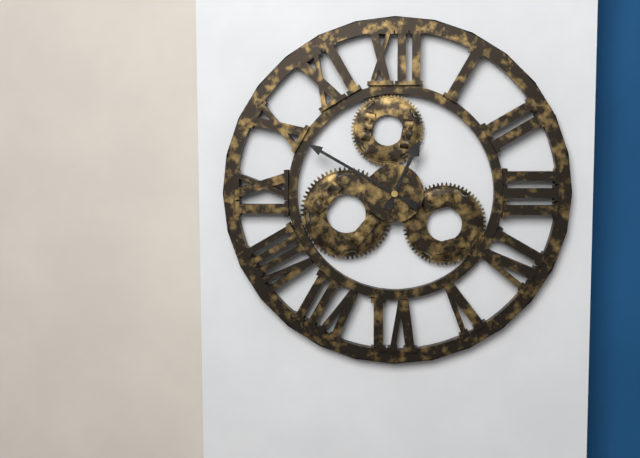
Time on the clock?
12:50
